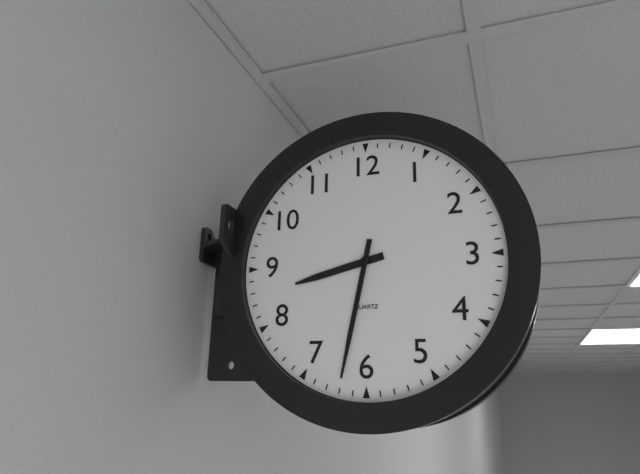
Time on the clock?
8:32
